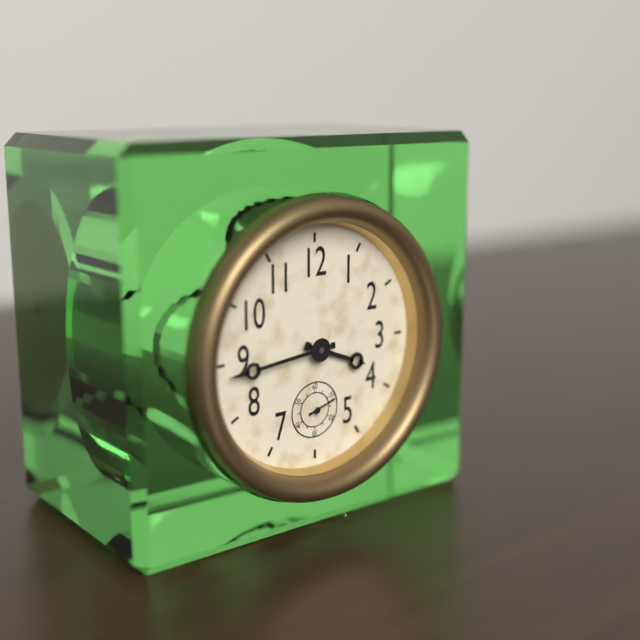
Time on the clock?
3:44
